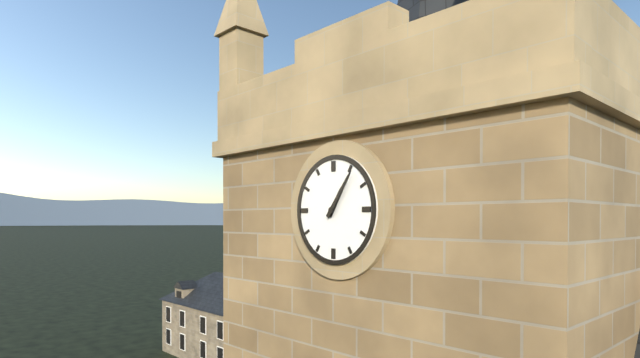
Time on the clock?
1:06
